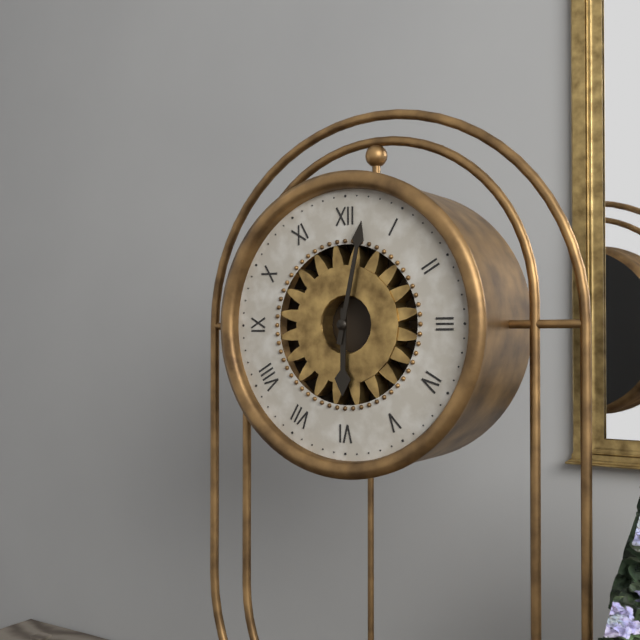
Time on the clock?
6:02
